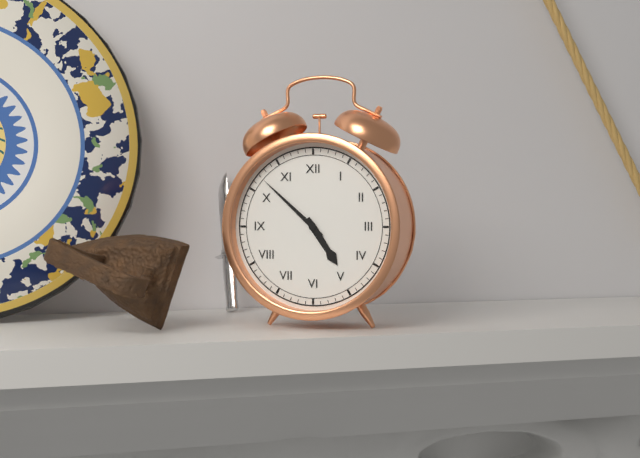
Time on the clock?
4:52
